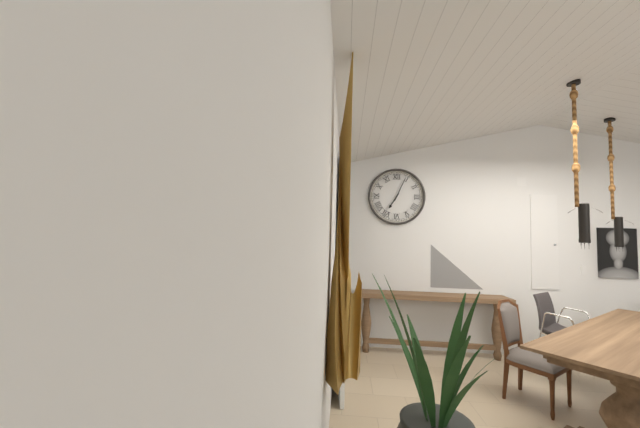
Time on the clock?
7:04
